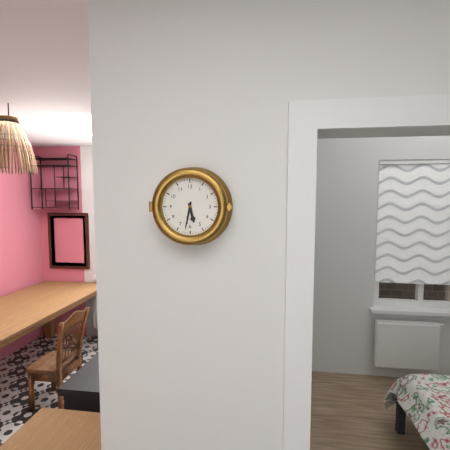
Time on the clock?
5:32
